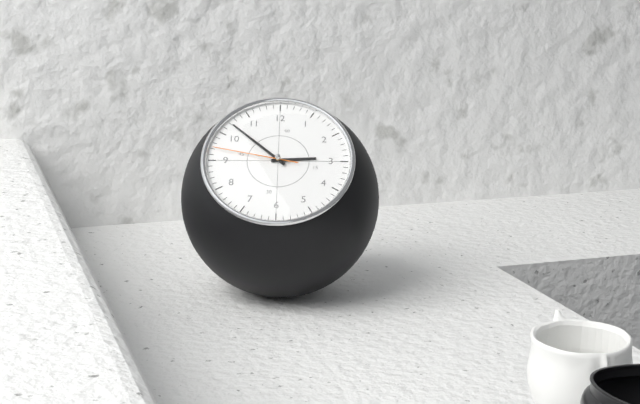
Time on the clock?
2:52:47
